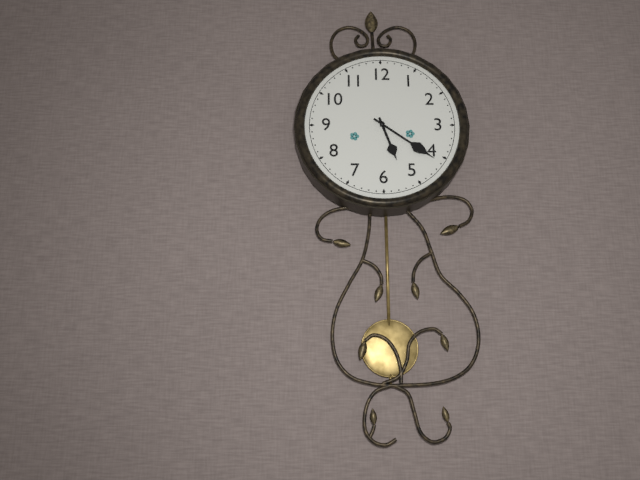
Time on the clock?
5:21
